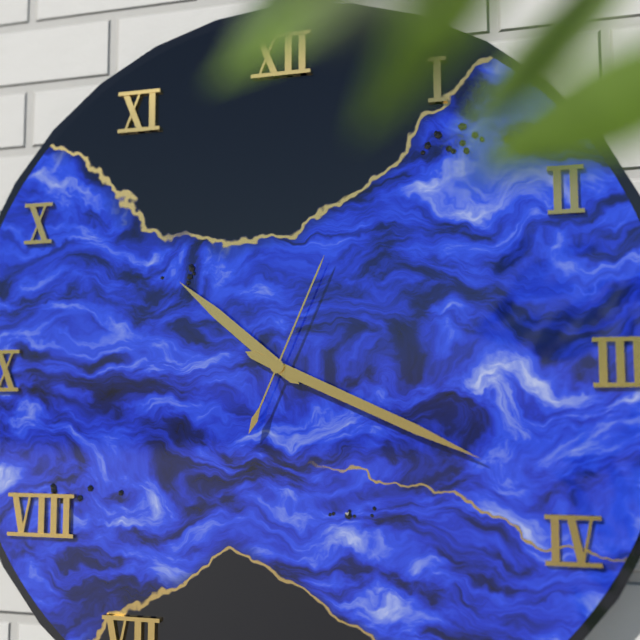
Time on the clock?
10:19:04
